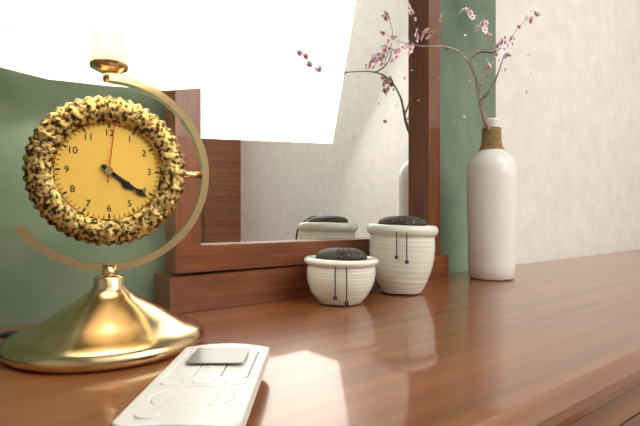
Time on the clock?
4:21:01
